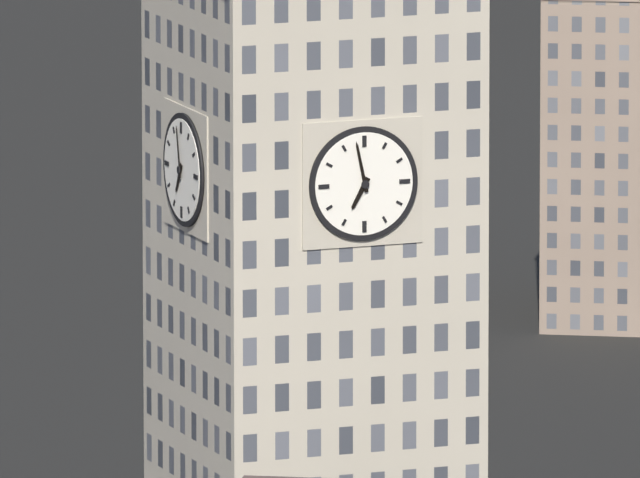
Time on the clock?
6:58
